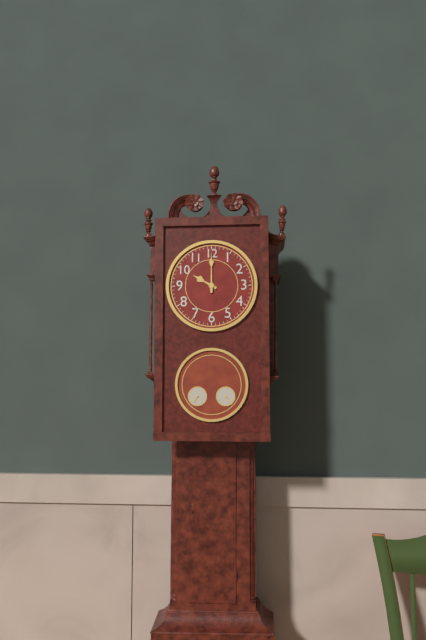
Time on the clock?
10:00
